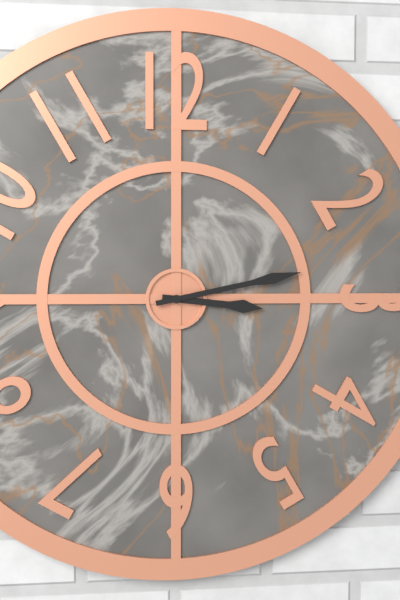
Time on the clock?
3:13
